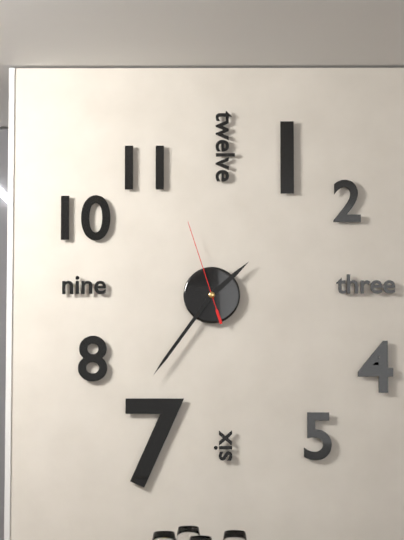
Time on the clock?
1:36:57
